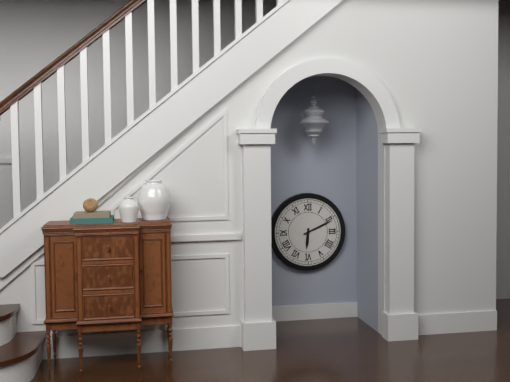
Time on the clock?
6:11
